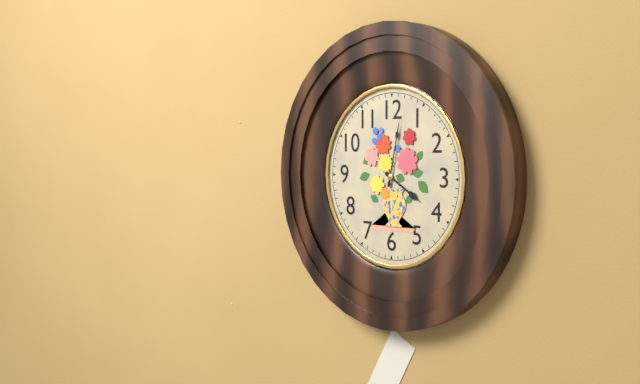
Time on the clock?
4:02
